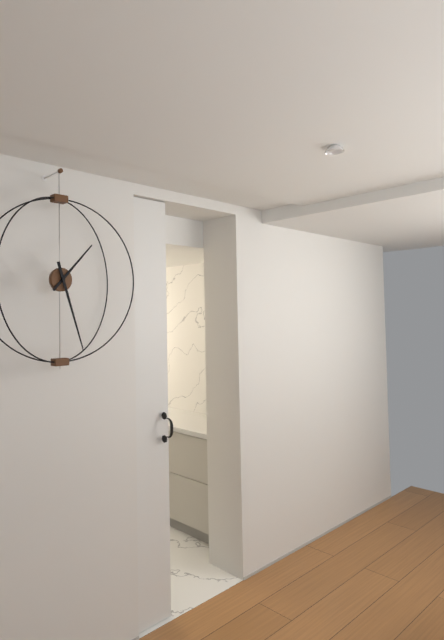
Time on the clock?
1:27
